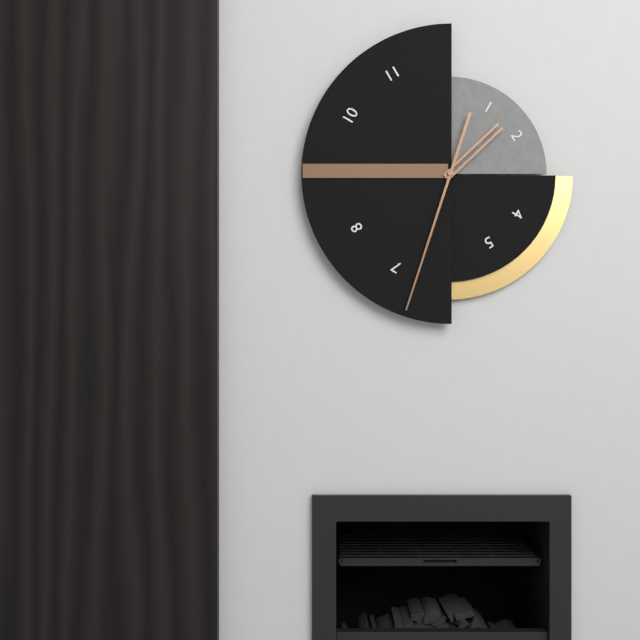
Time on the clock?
1:33
